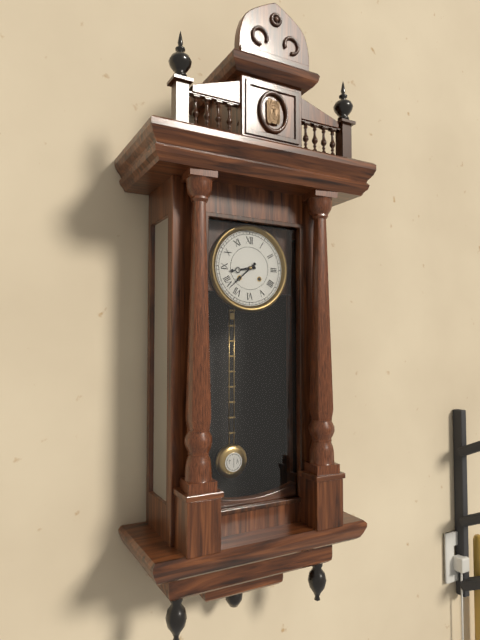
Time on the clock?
8:38
